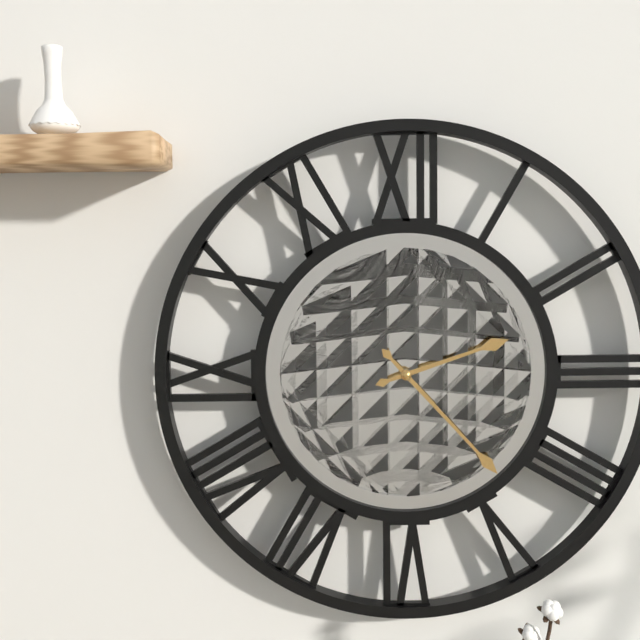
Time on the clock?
2:23
